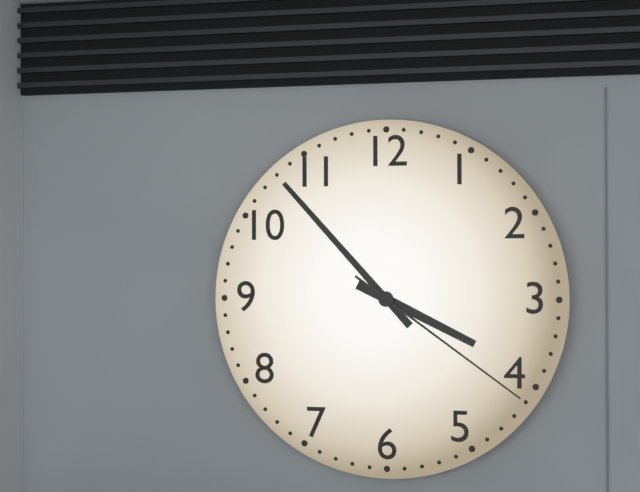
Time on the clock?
3:53:21
